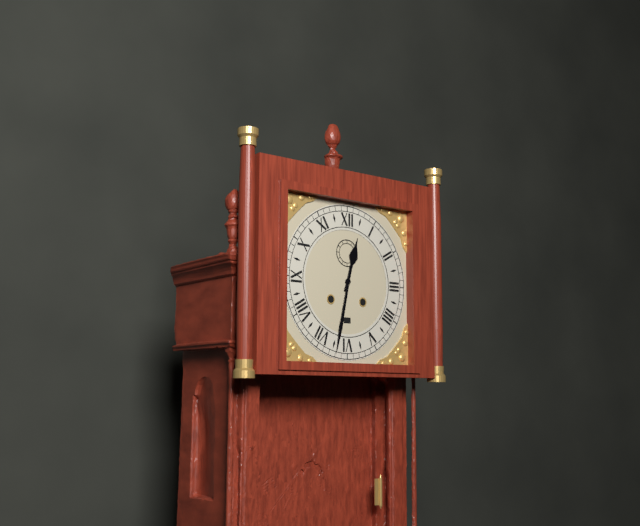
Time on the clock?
12:32
